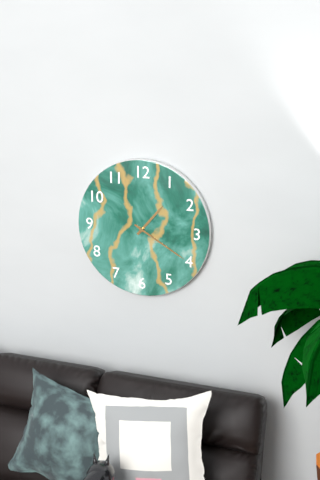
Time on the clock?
1:20
